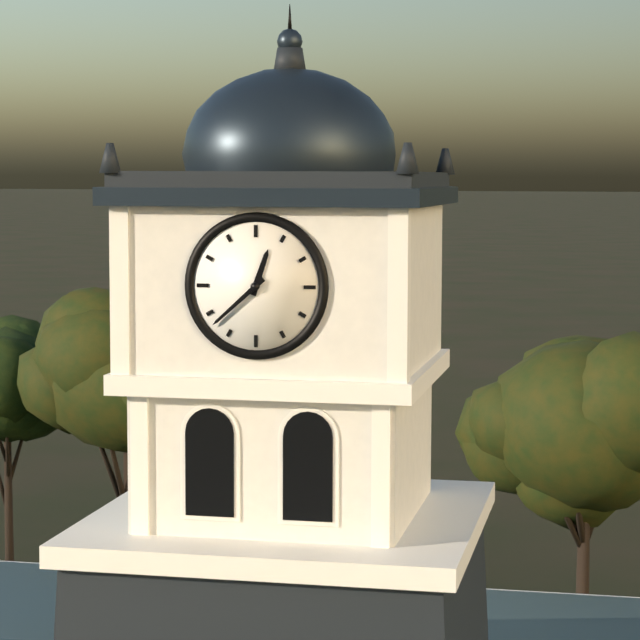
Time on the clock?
12:38
